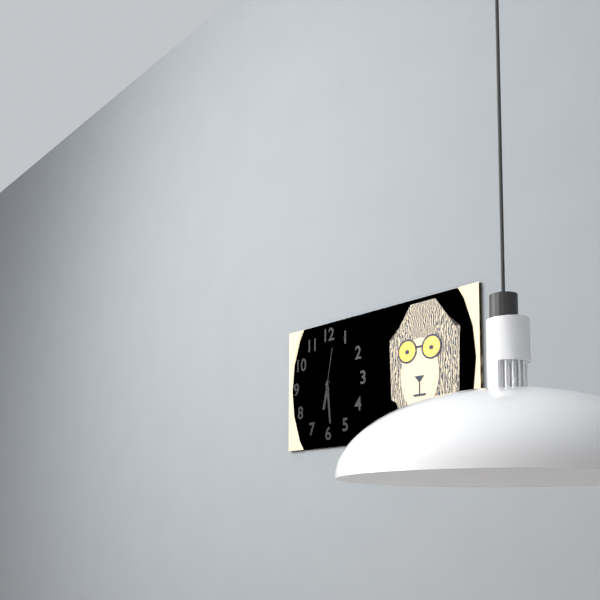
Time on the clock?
6:29
